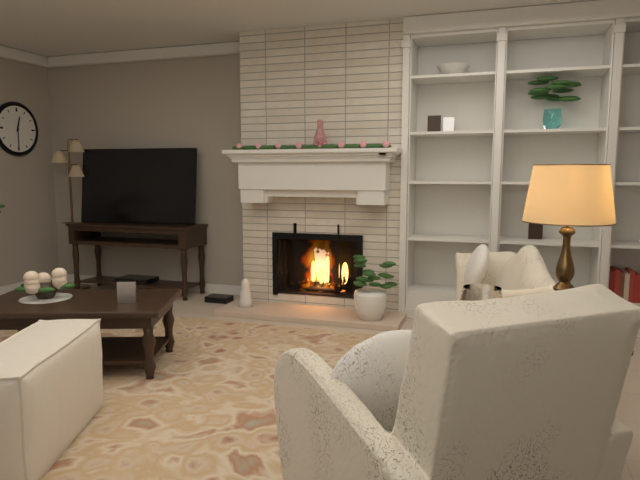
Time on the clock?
12:30
